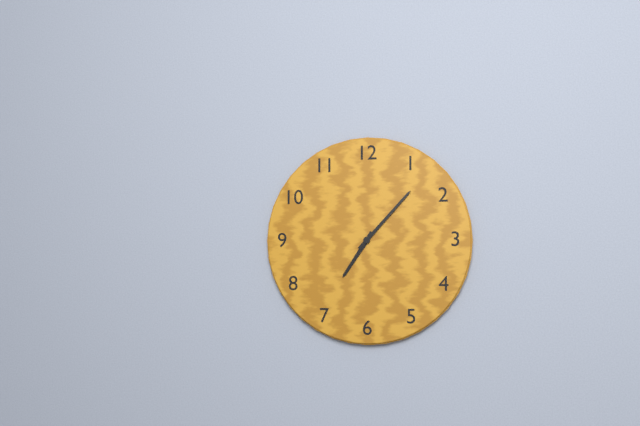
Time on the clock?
7:07
